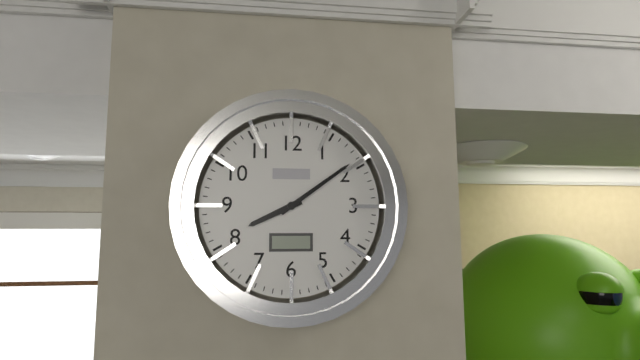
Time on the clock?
8:09
